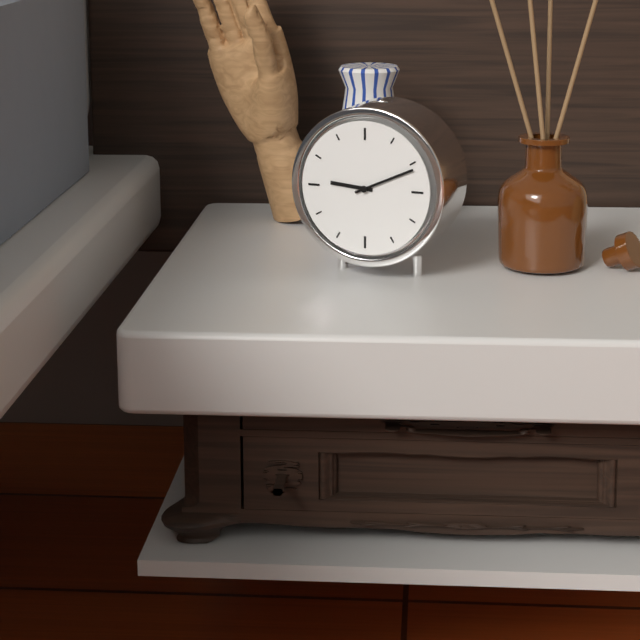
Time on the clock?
9:11
